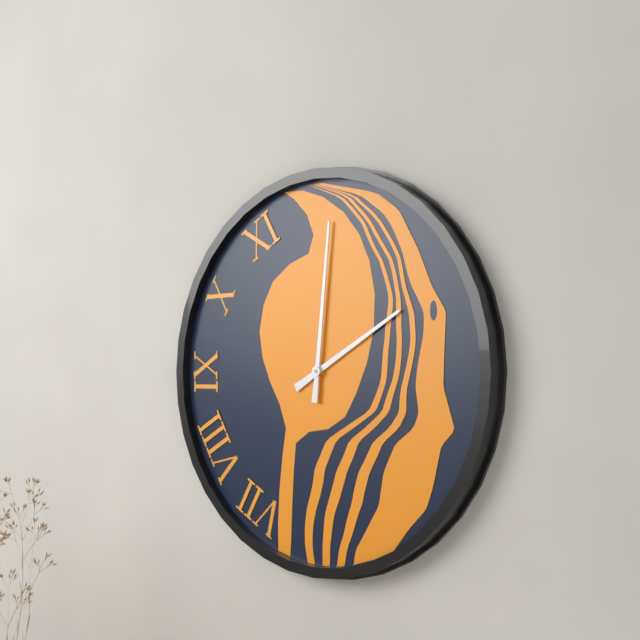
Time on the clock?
2:01
